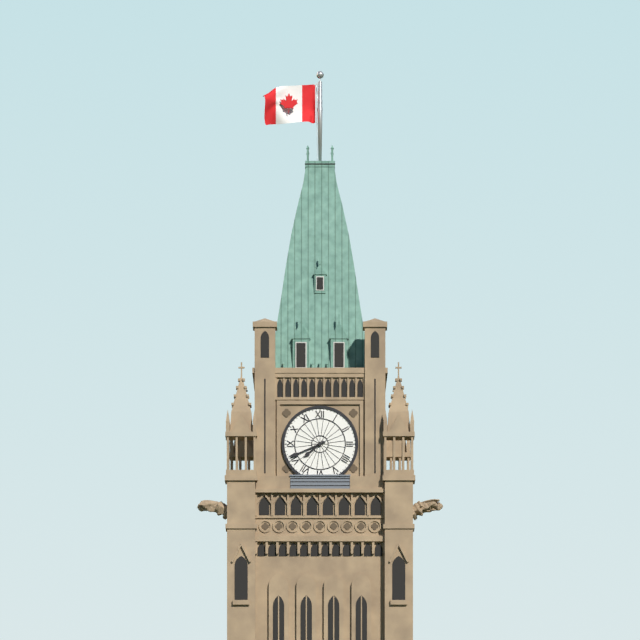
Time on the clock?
7:41
